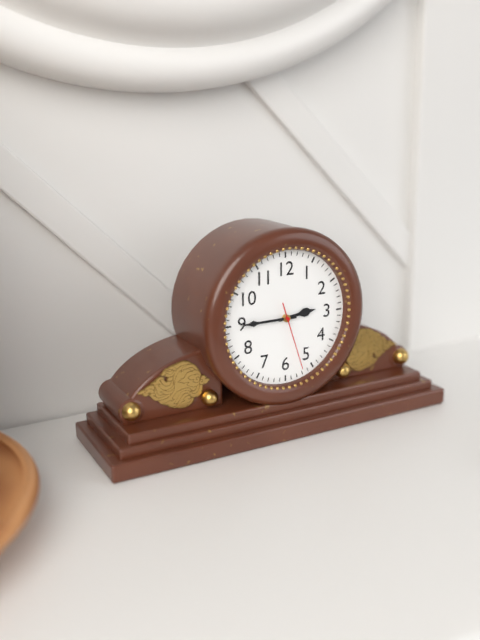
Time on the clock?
2:45:27
